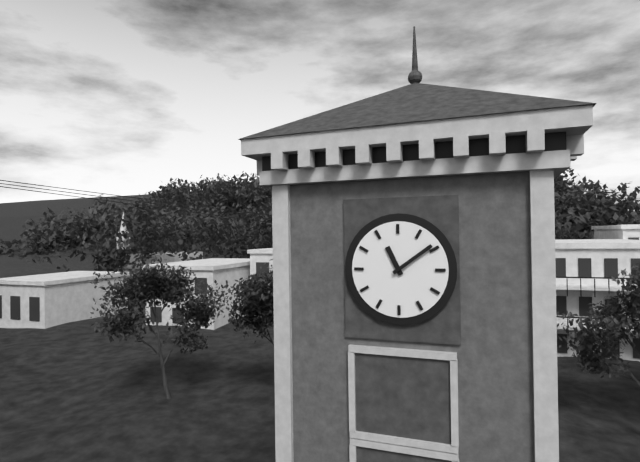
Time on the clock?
11:09
